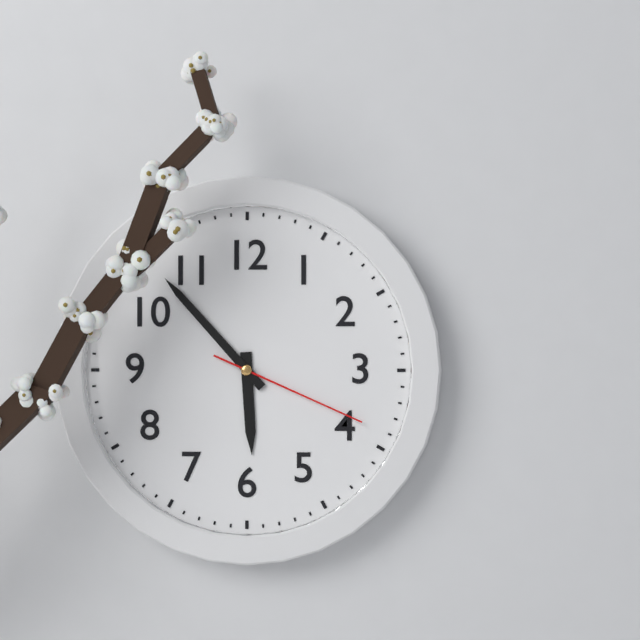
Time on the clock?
5:53:19
